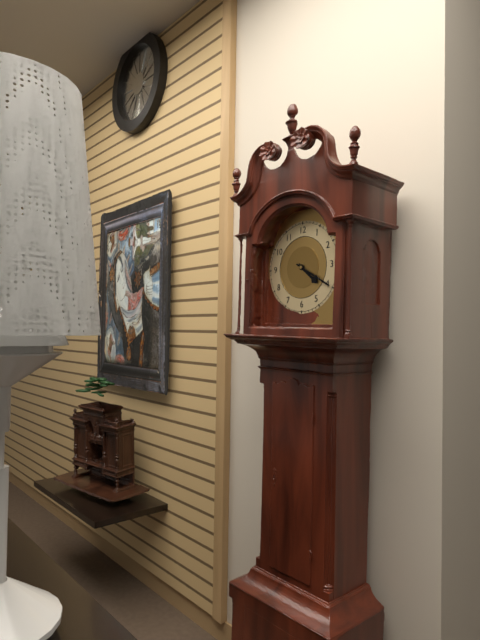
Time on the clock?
4:20
